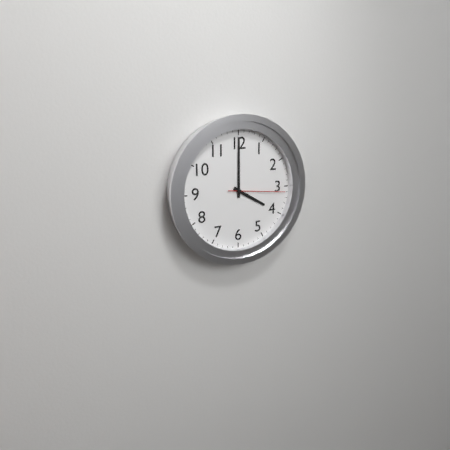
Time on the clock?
4:00:16
